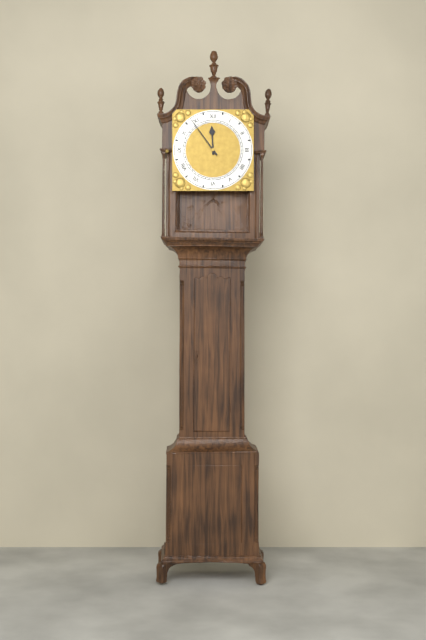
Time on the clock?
11:54
